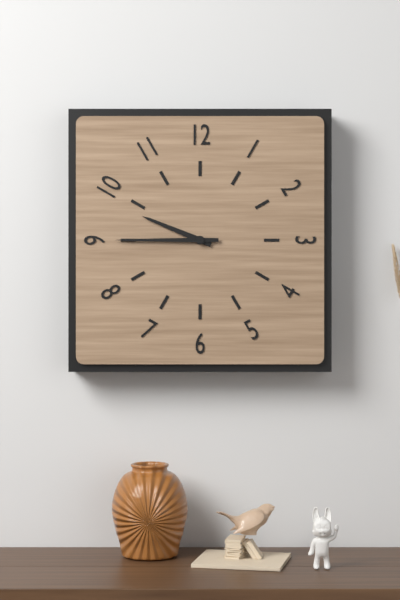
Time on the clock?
9:45
